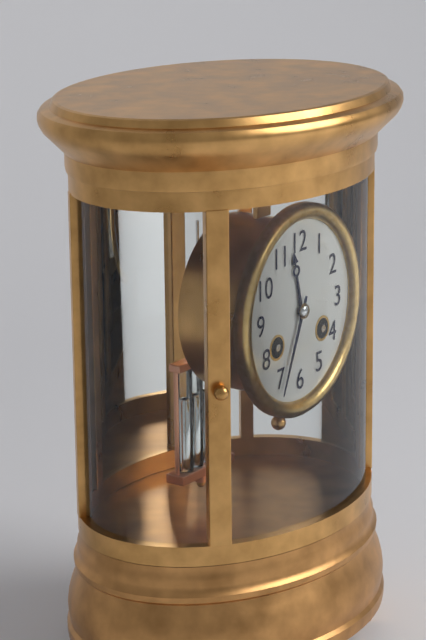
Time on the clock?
11:34
